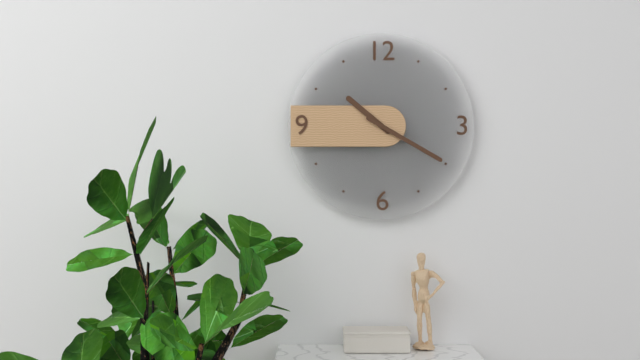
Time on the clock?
10:20
